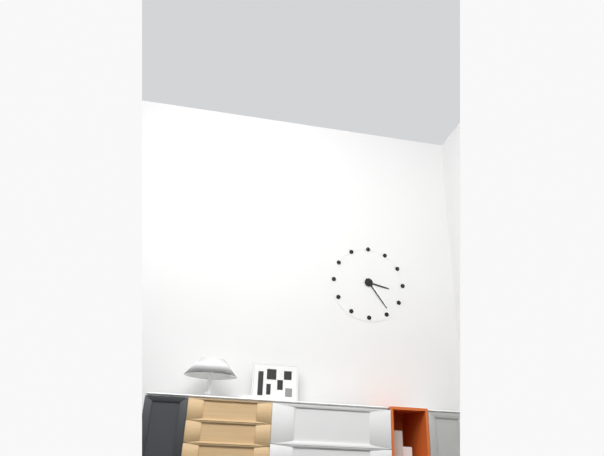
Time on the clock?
3:24
